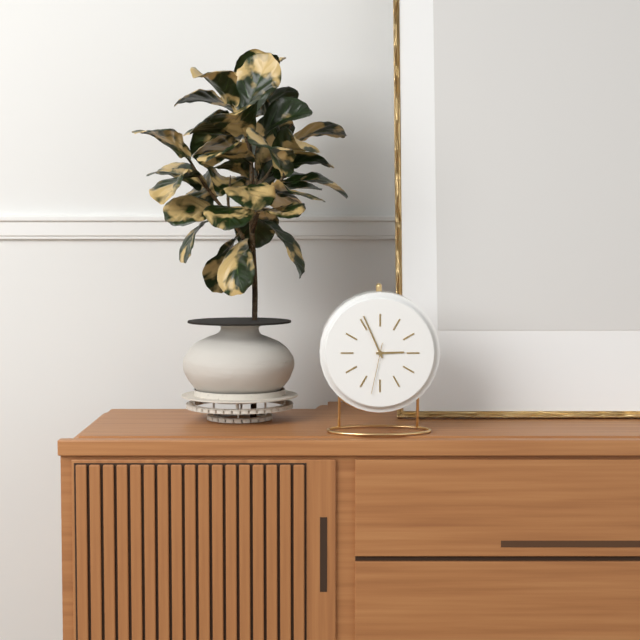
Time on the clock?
2:56:32
